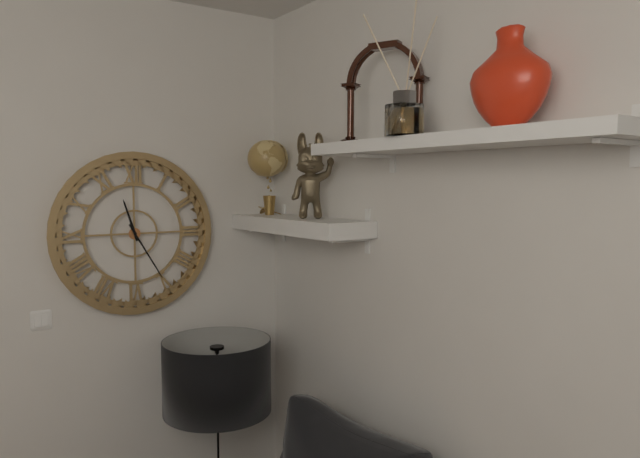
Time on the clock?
11:25
